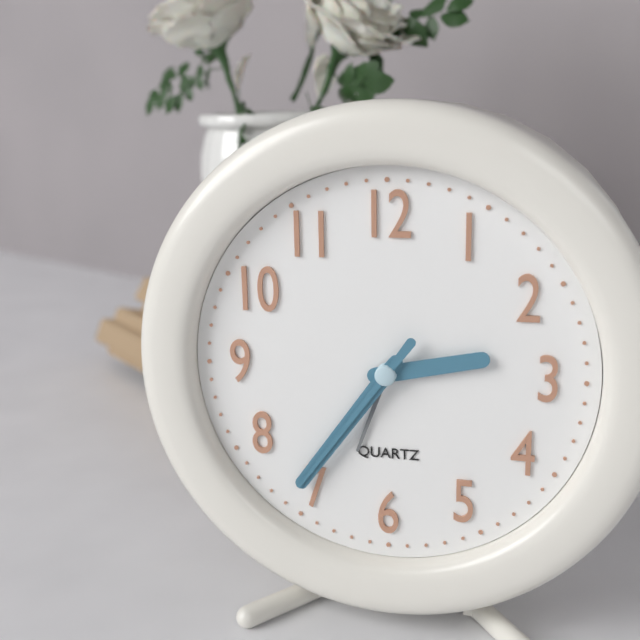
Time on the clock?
2:36:36
